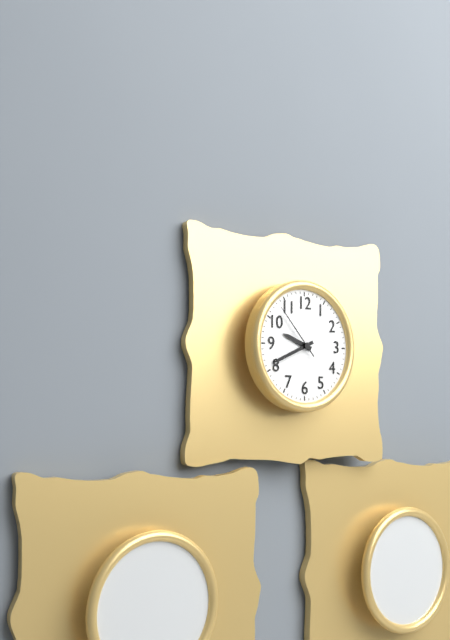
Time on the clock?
9:41:53
